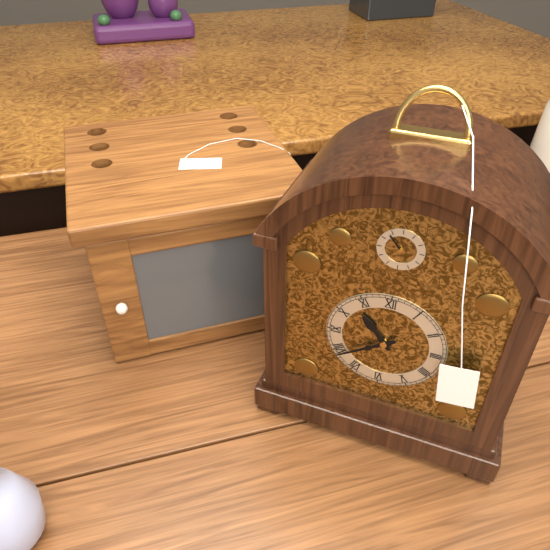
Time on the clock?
10:39
